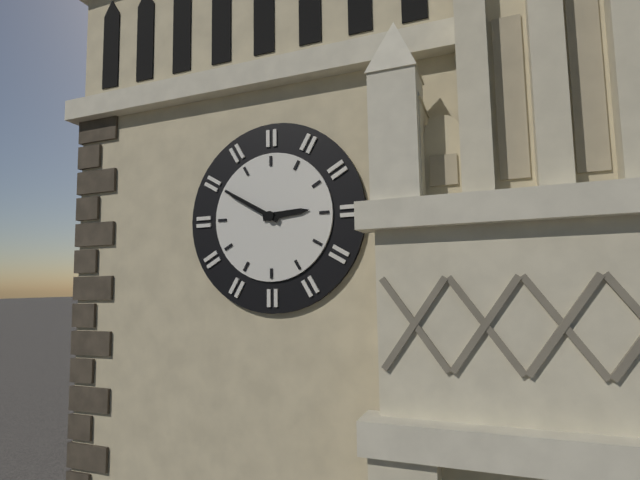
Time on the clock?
2:50
